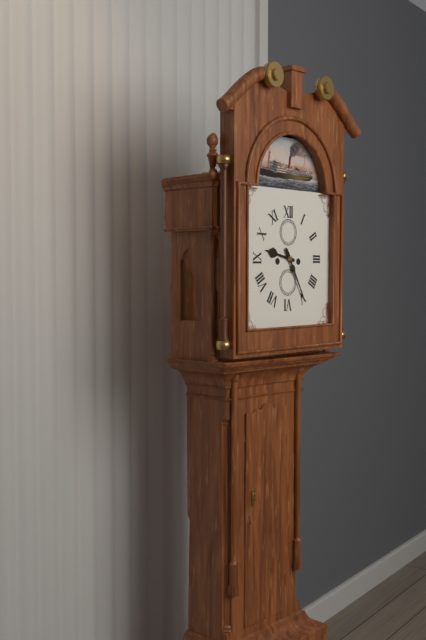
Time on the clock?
9:25
